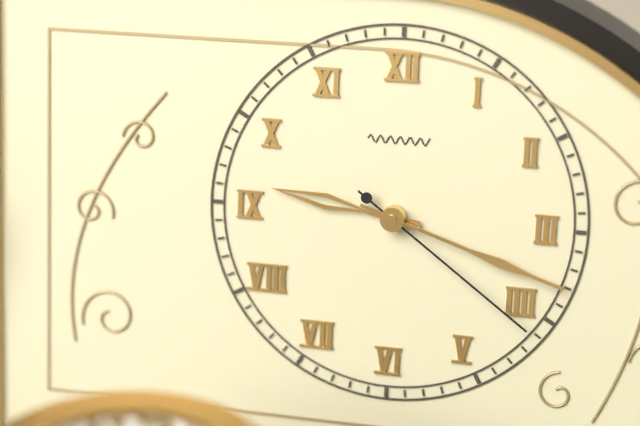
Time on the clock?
9:18:21
